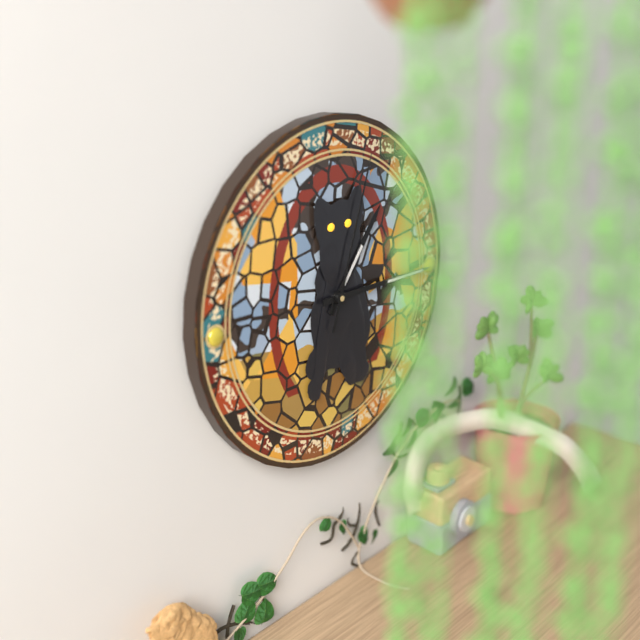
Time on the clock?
1:15:03
